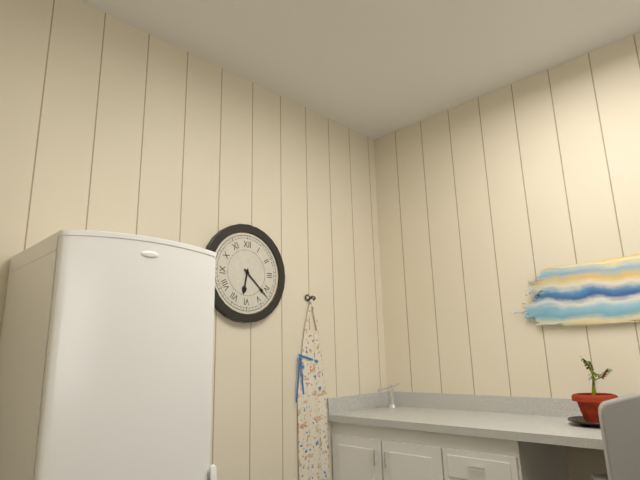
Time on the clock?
6:22
